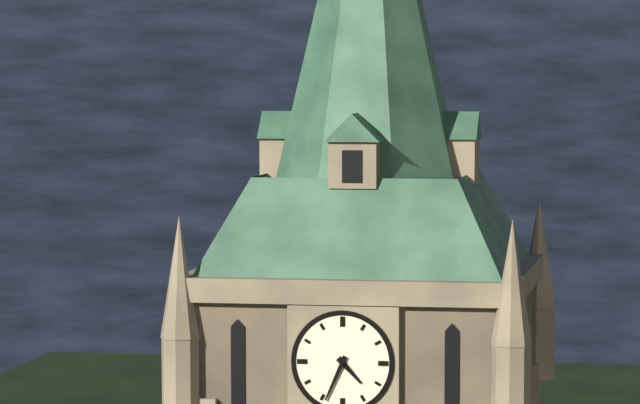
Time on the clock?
4:34
